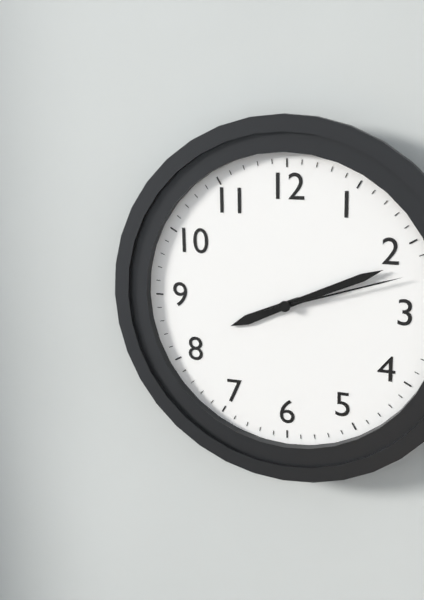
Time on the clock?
8:11:12
